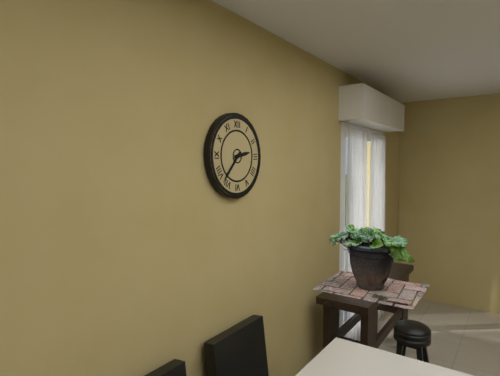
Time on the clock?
2:37
